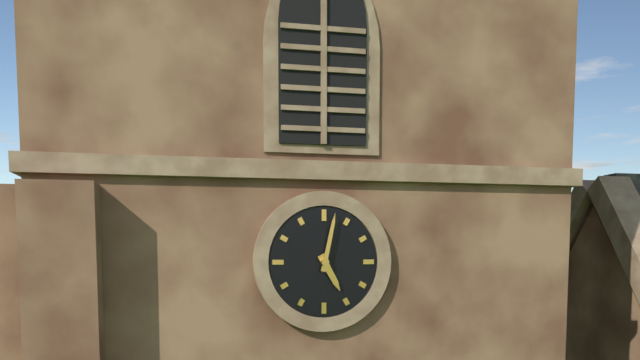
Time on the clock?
5:02
